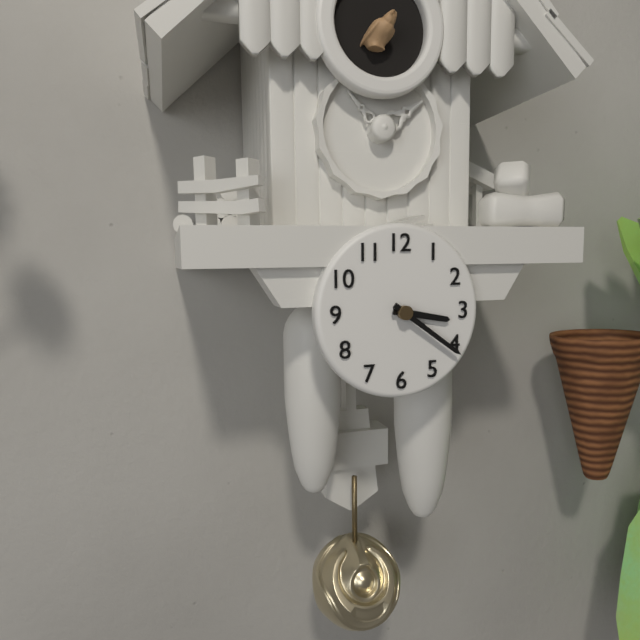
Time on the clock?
3:21
